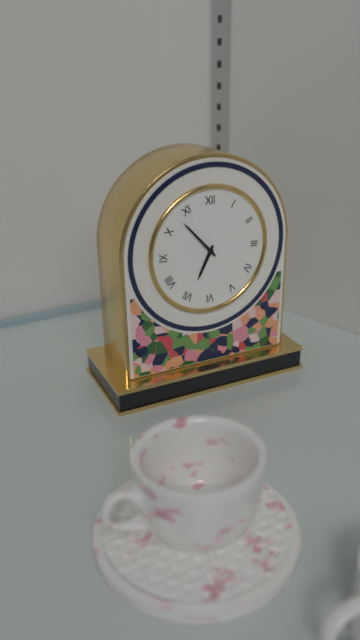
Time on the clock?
6:53
